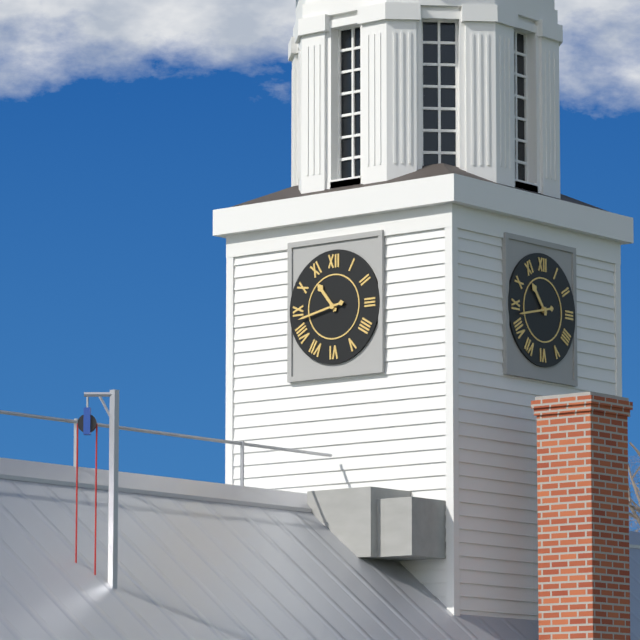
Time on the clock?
10:43
